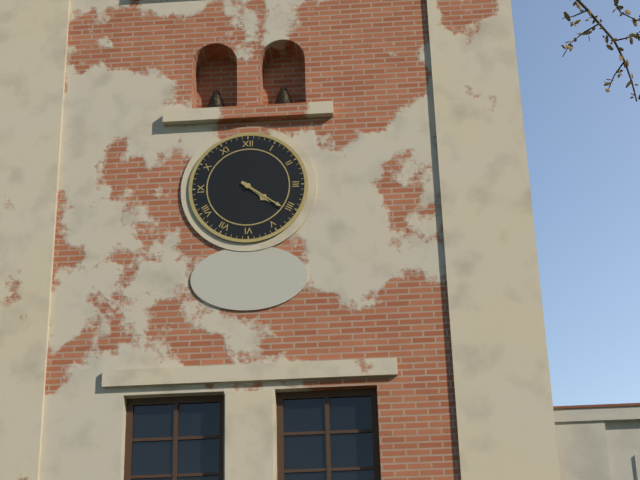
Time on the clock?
4:21
